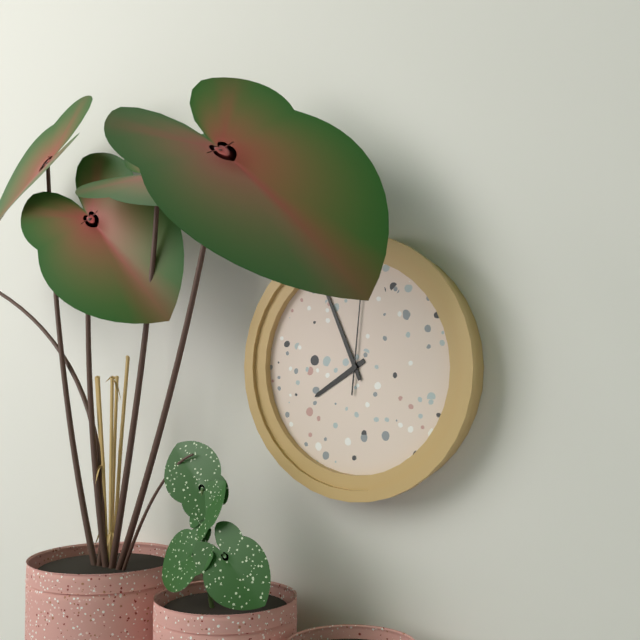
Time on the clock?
7:56:01
